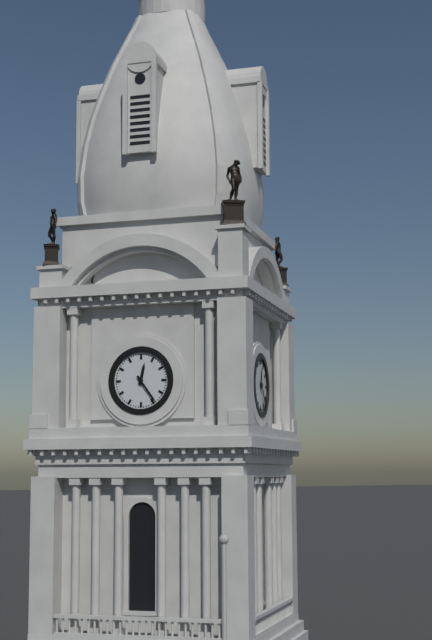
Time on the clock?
12:24
